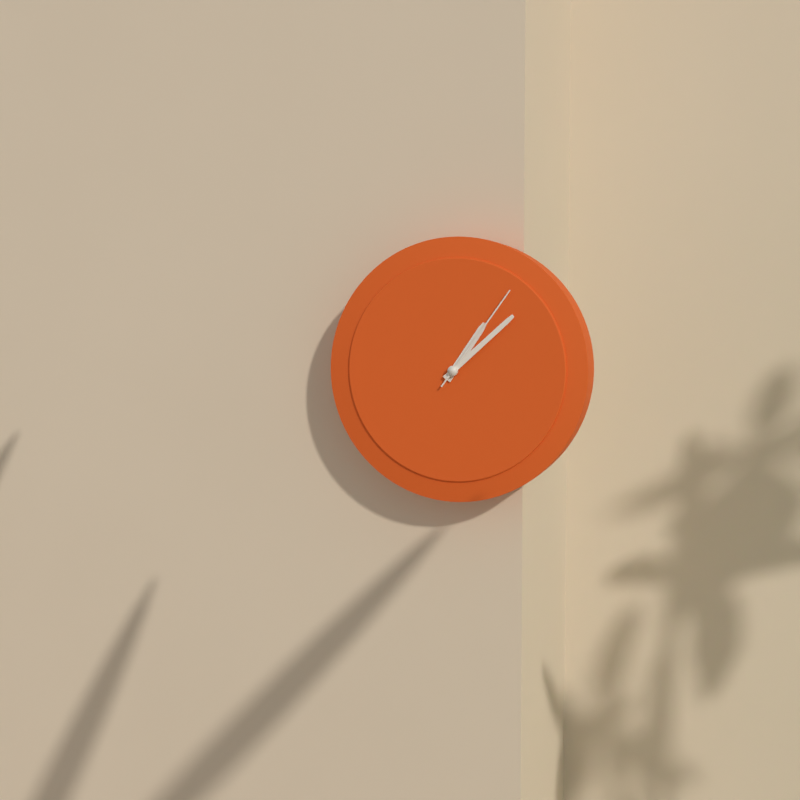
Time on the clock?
1:08:06
